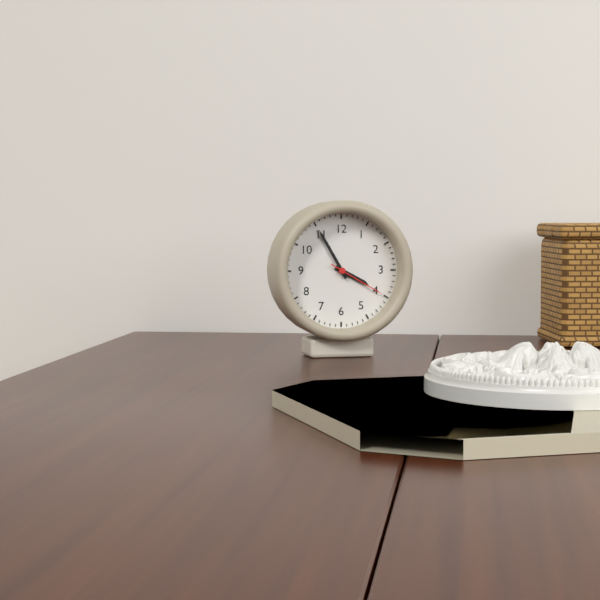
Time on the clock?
3:55:20
